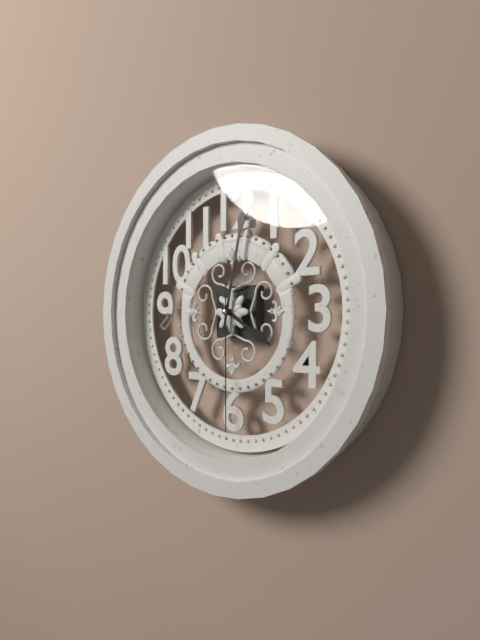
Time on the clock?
4:02:30
